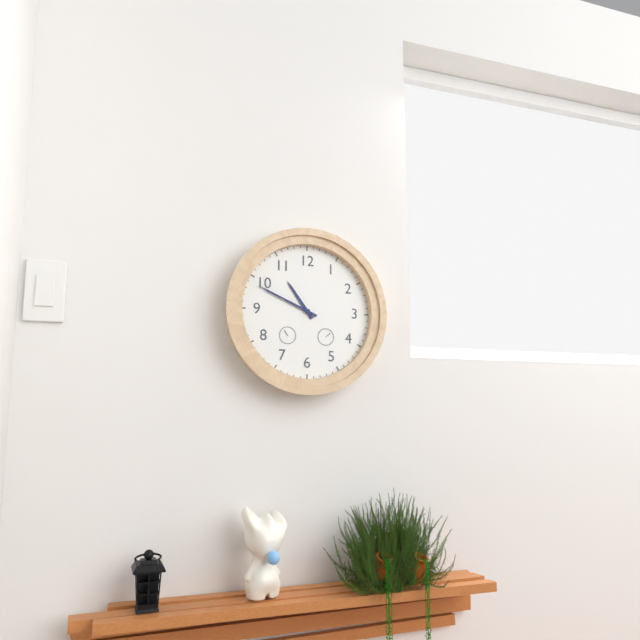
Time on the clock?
10:49
